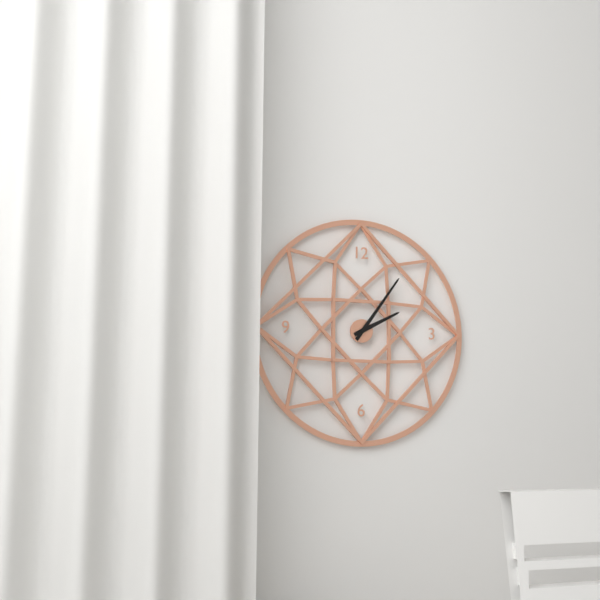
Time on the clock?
2:06
